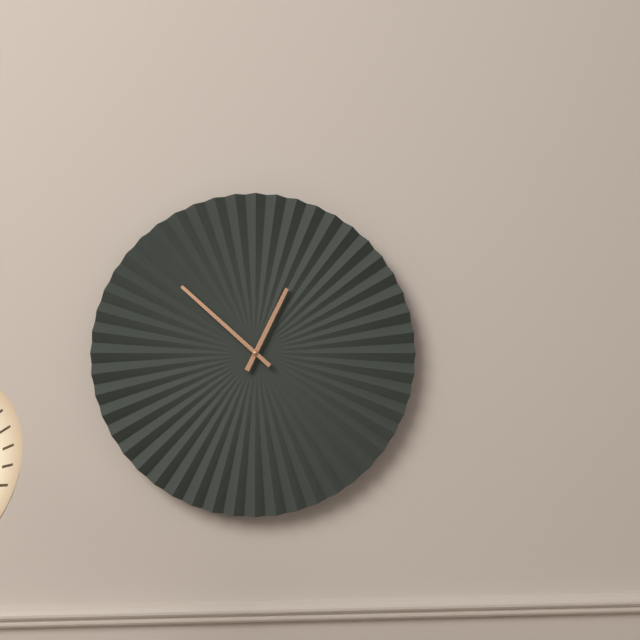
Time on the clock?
12:52
